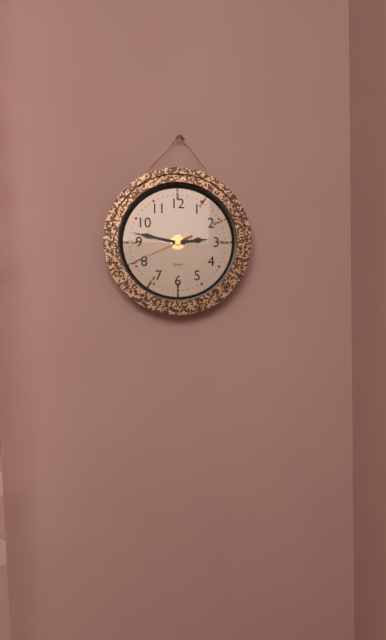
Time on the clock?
2:47:41
